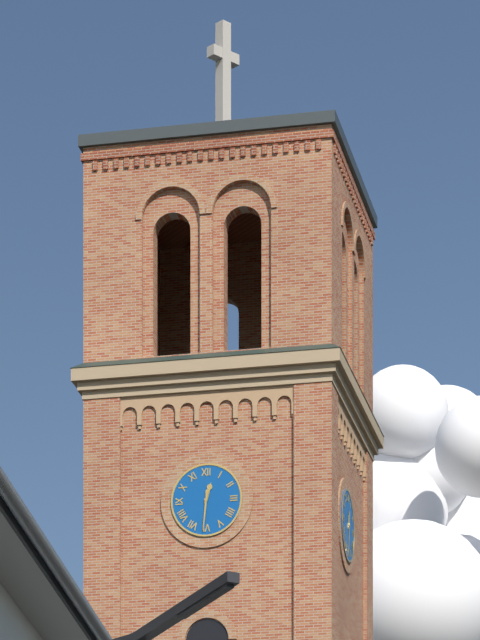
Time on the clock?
12:31
